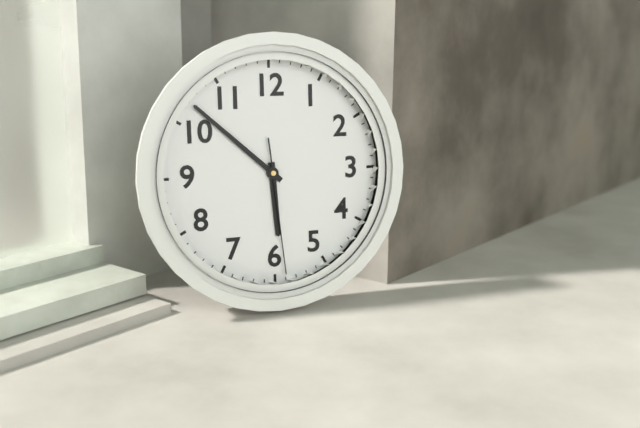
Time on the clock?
5:52:29
